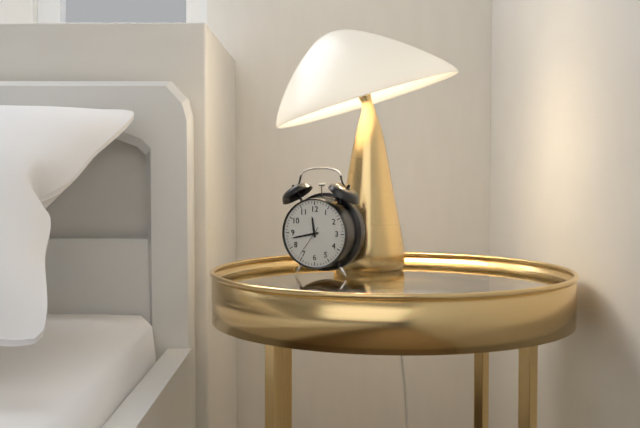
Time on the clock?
11:43
